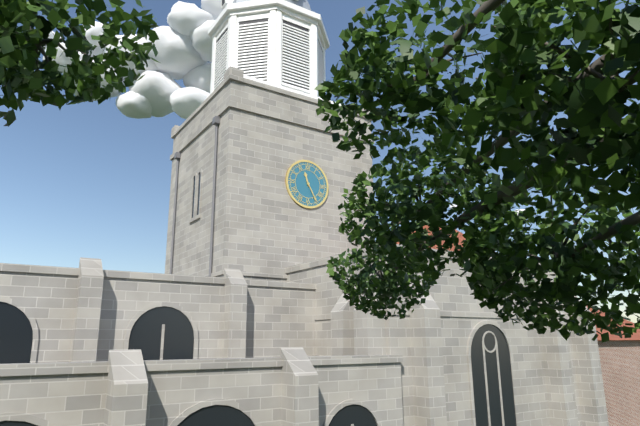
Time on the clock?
11:25
